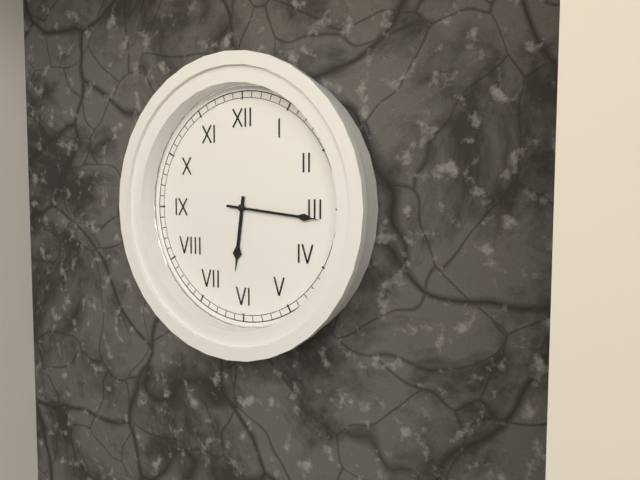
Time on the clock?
6:16
